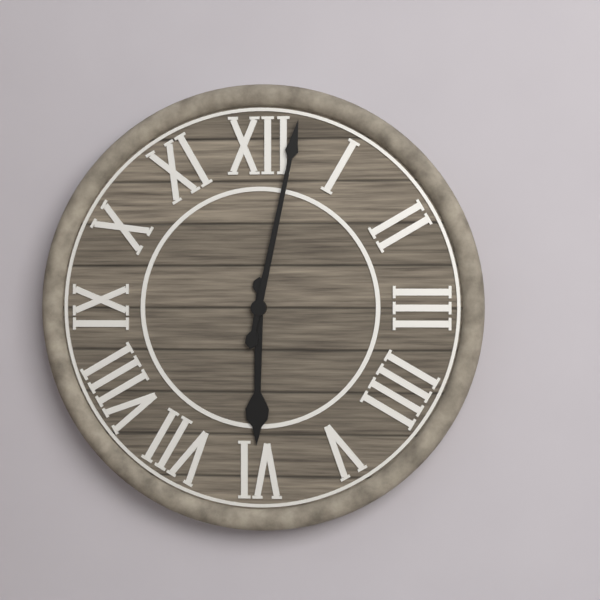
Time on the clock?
6:02
